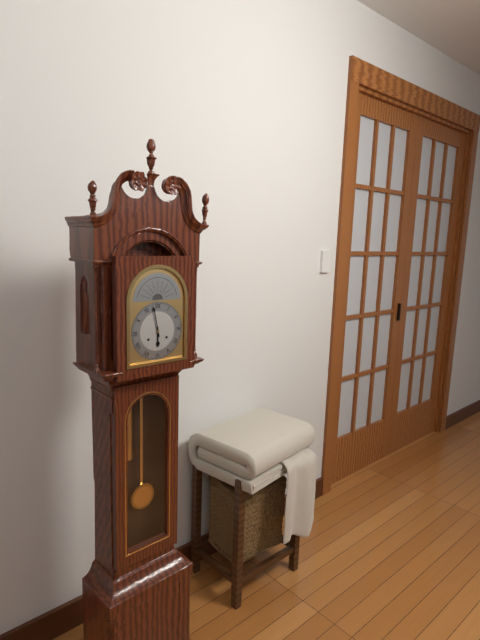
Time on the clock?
5:58
